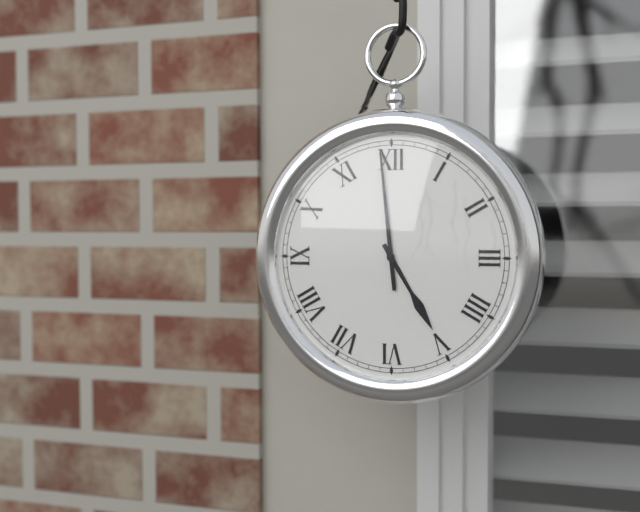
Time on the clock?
4:59
